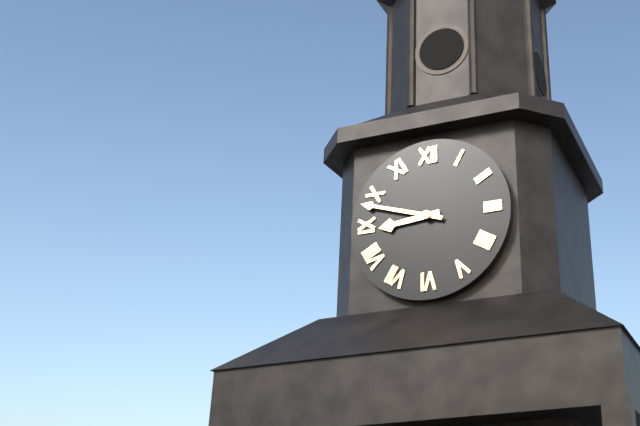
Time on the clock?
8:48
